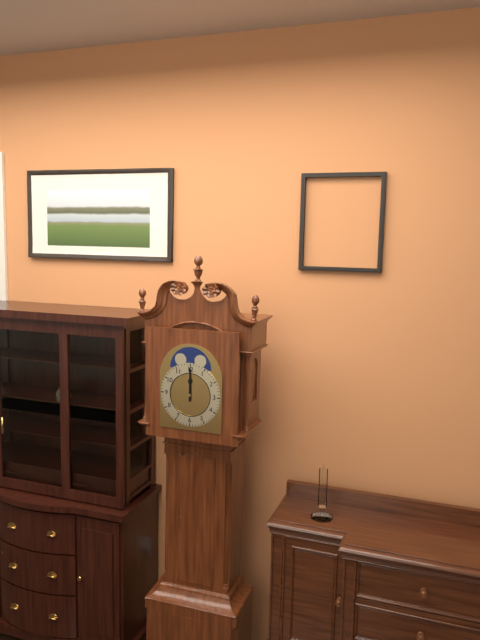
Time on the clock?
12:00
